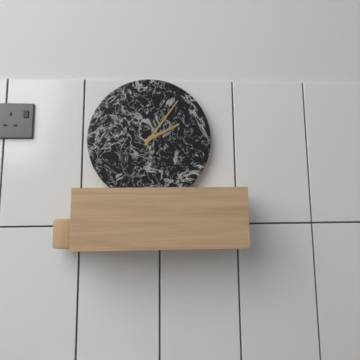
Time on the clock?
2:06
